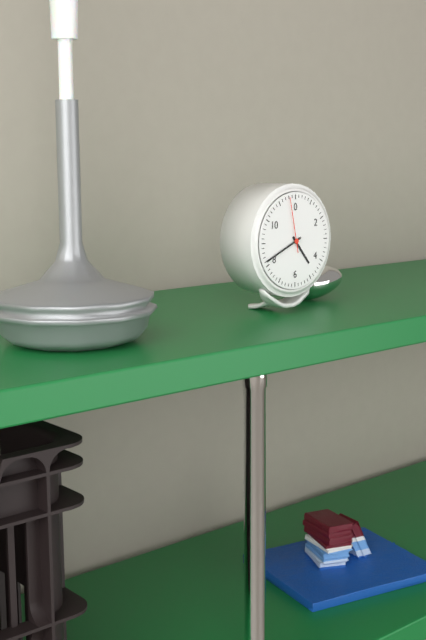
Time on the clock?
4:41:58
